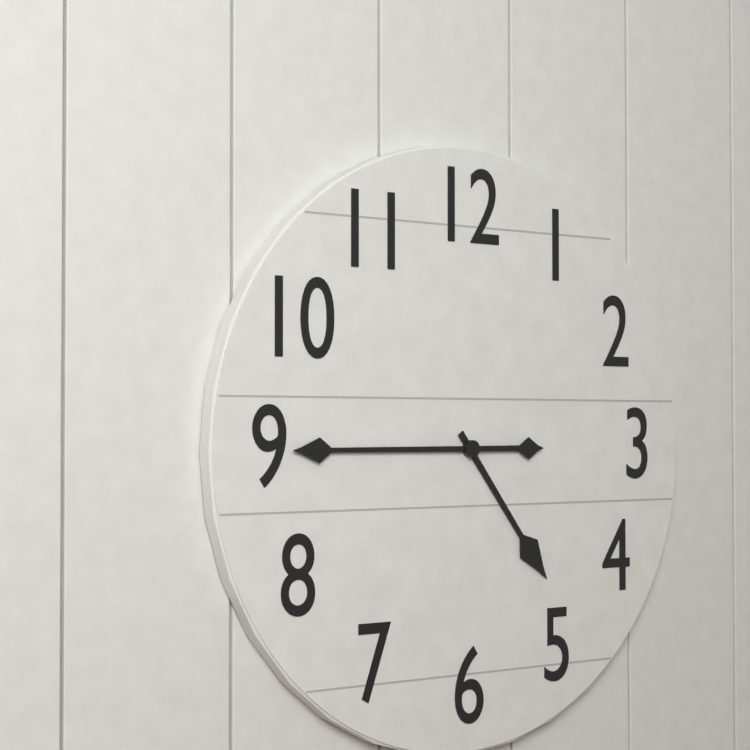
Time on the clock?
4:45
